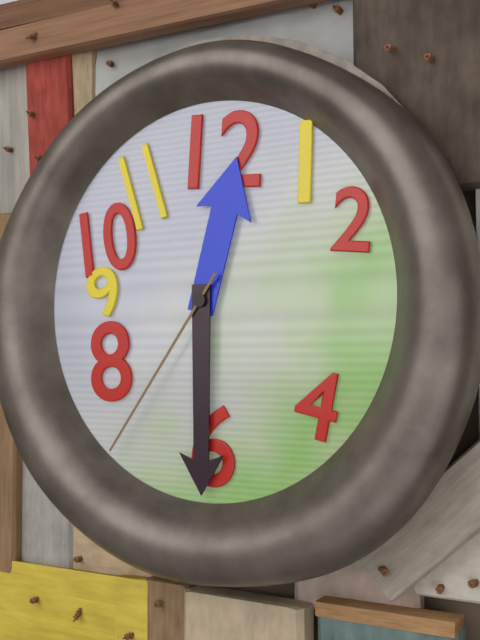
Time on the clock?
12:30:36
